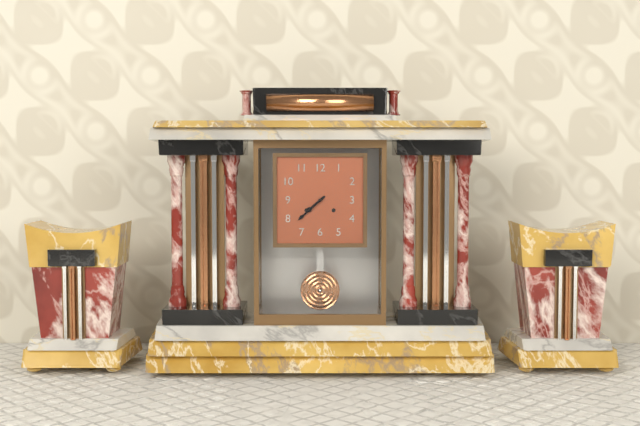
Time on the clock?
7:38
